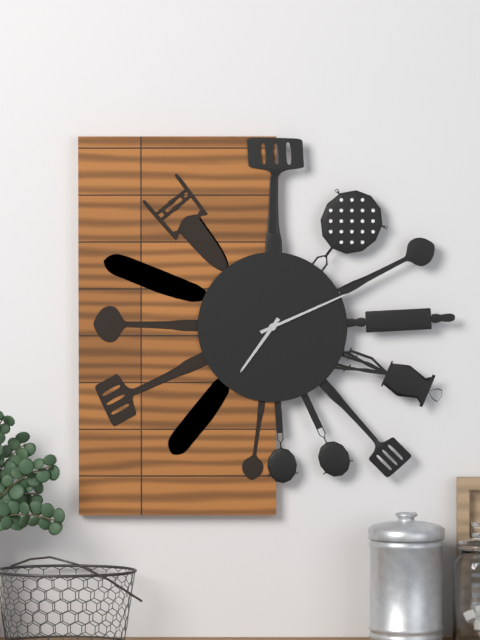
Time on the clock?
7:11
